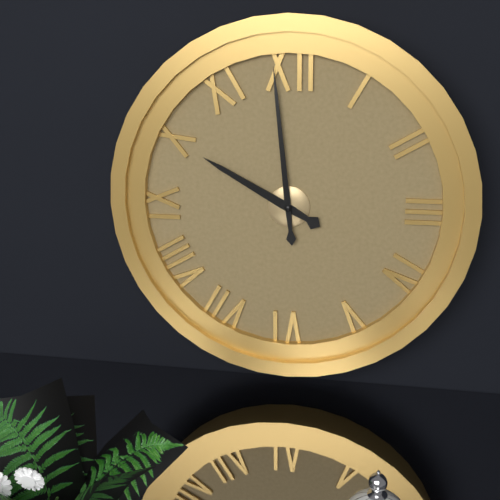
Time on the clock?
9:59
